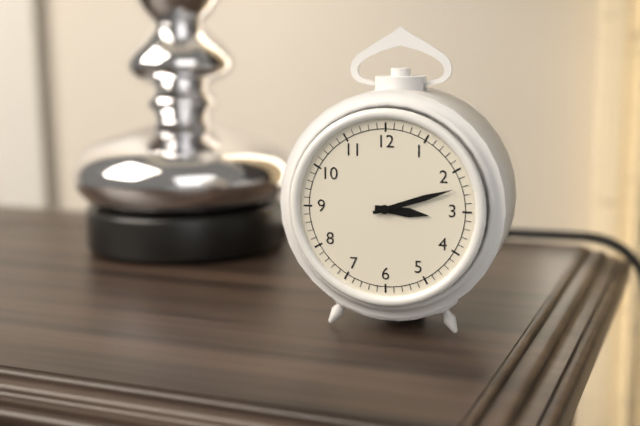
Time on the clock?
3:12
